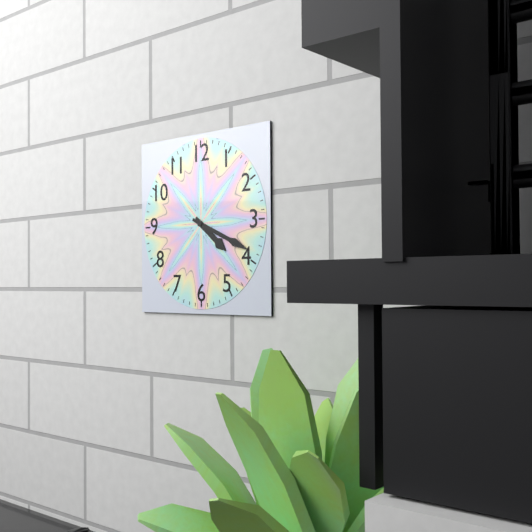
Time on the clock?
4:19
